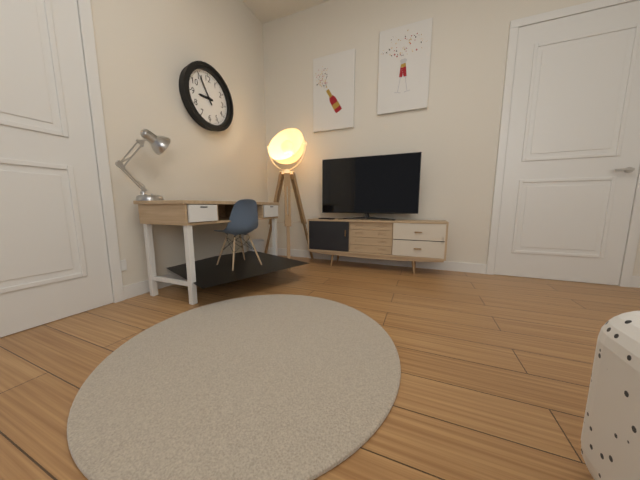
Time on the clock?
8:55
